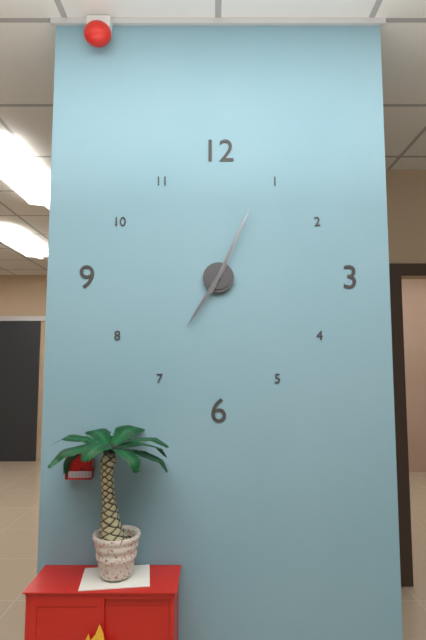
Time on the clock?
7:04
